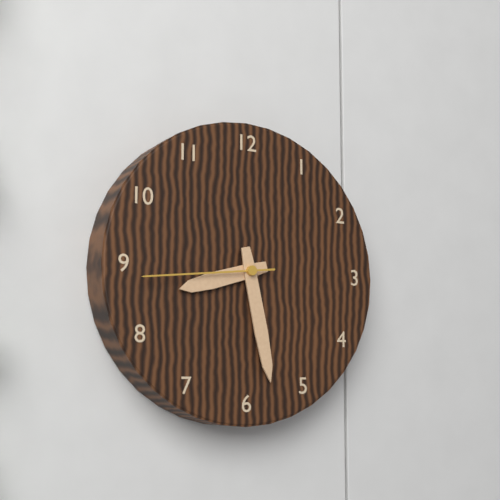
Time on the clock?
8:28:44
